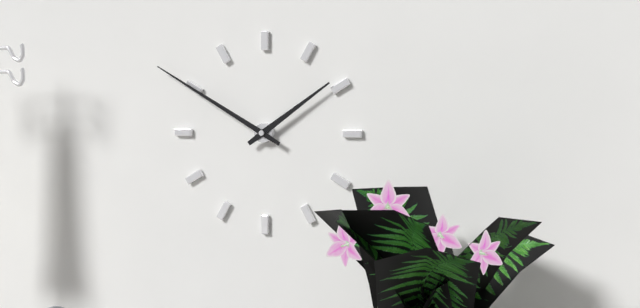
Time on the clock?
1:50
